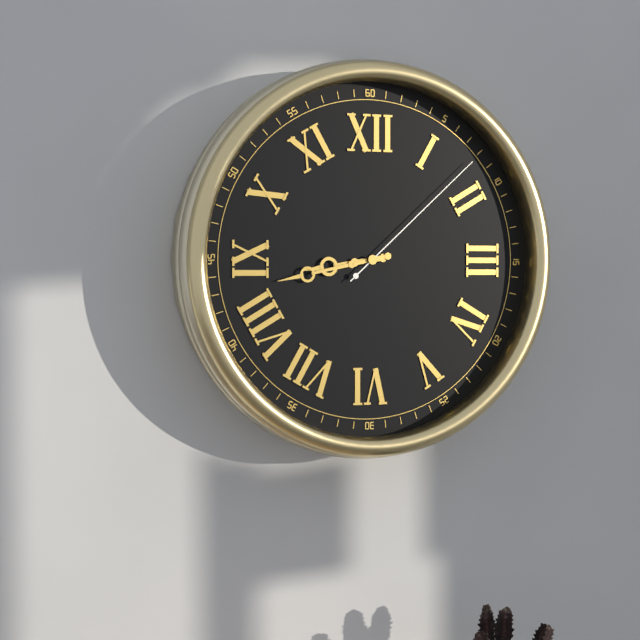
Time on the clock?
8:43:08
